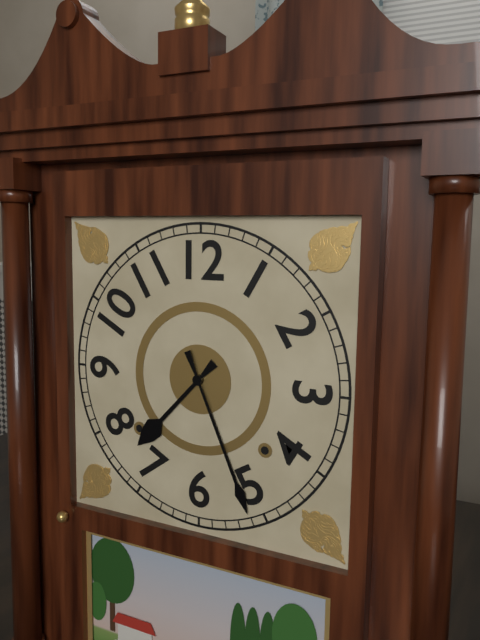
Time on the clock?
7:26
